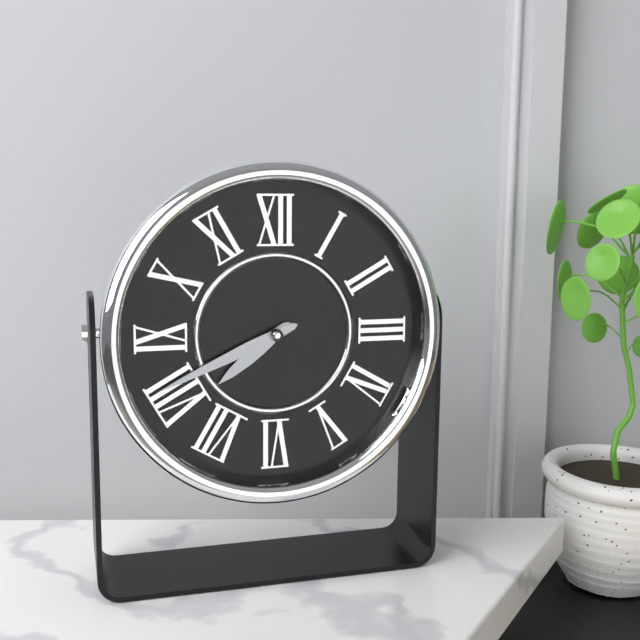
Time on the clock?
7:41
